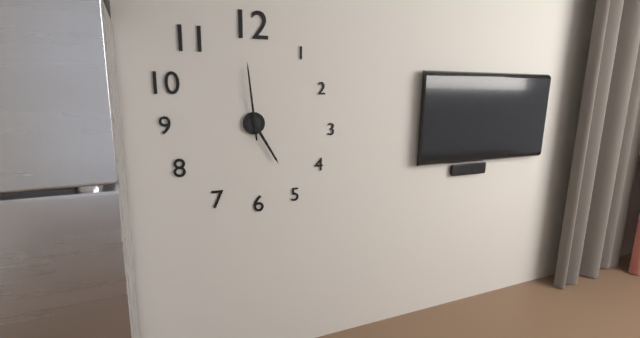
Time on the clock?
4:59
